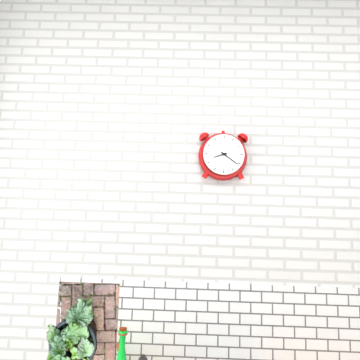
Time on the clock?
8:21
